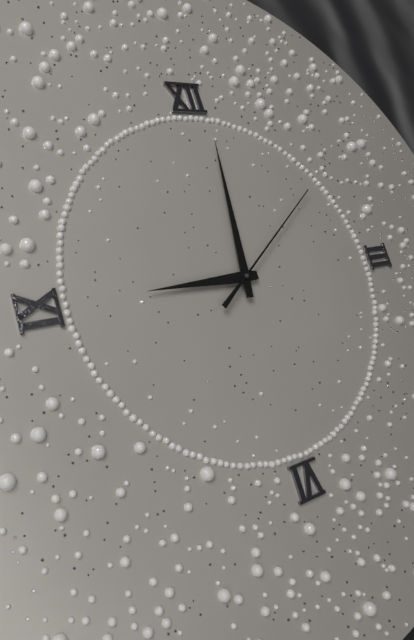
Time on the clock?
9:01:09
